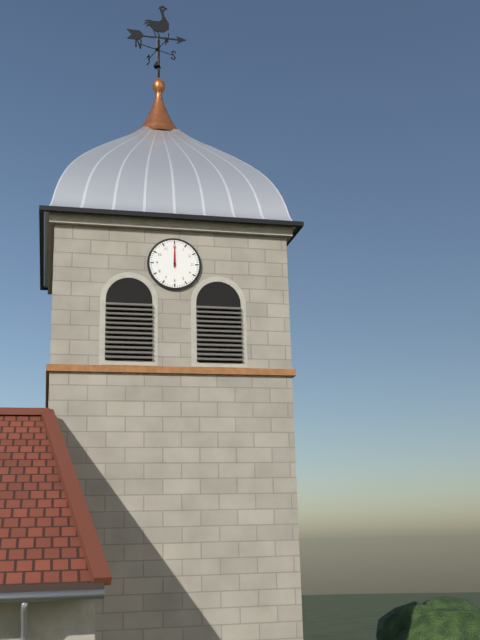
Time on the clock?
12:00
